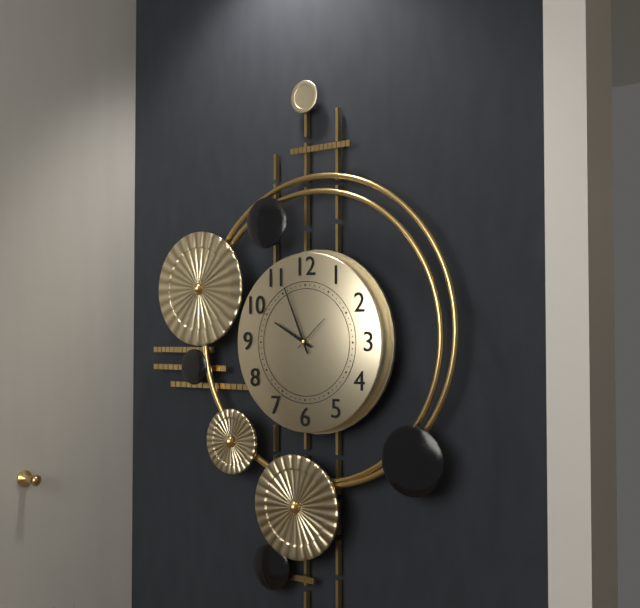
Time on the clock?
9:56
